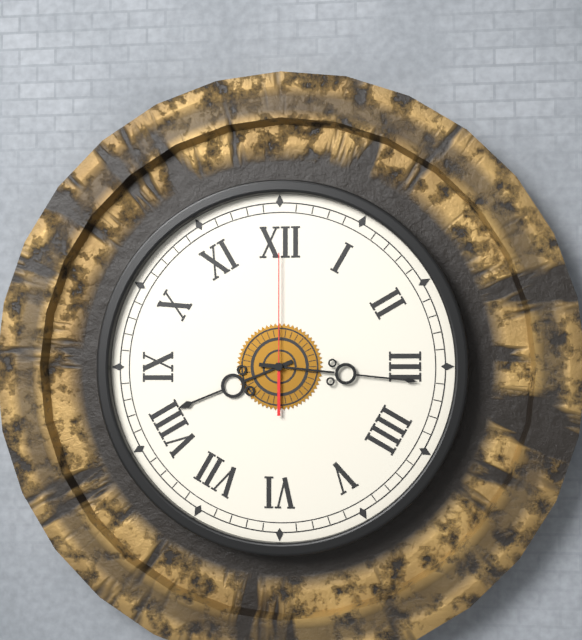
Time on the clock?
8:16:00
